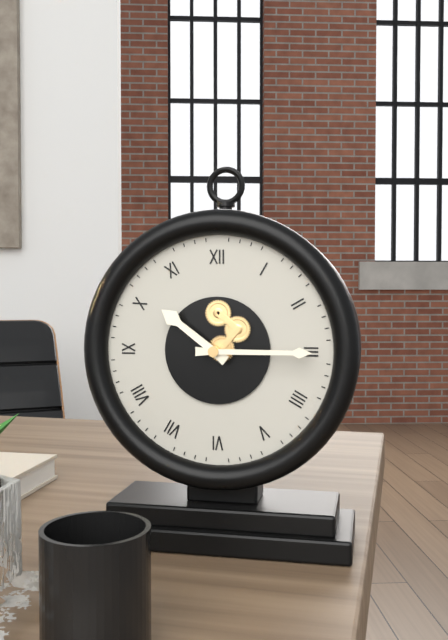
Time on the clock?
10:15
